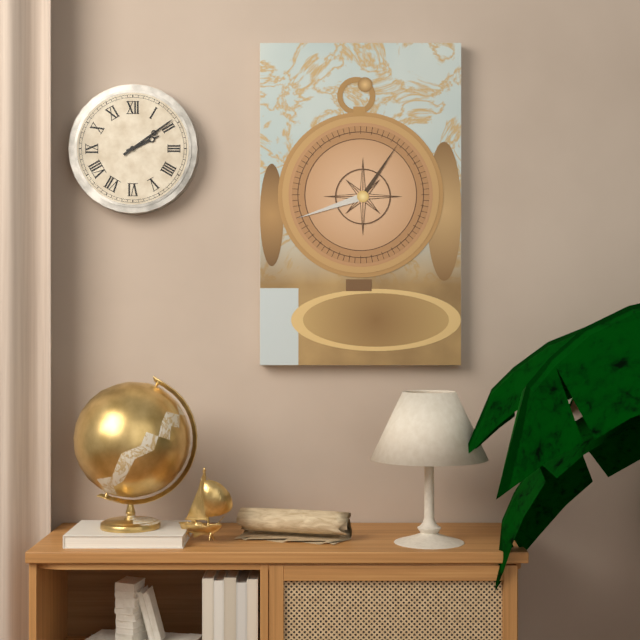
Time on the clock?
2:09
